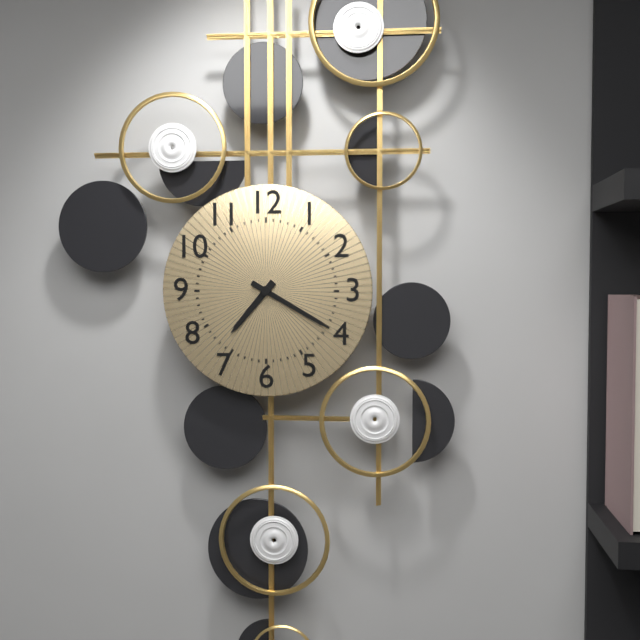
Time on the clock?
7:20
